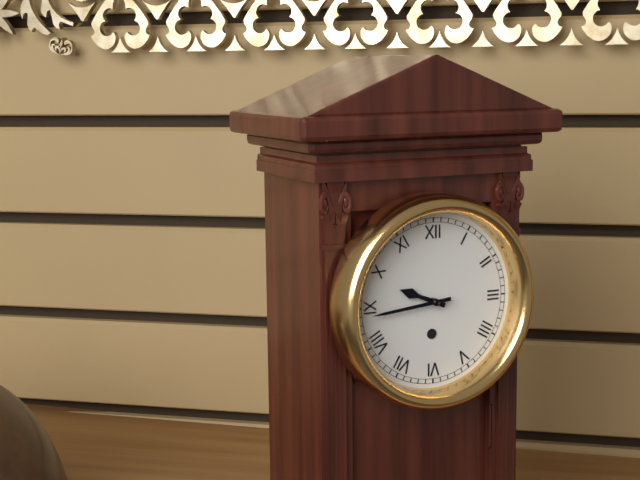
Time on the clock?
9:44
